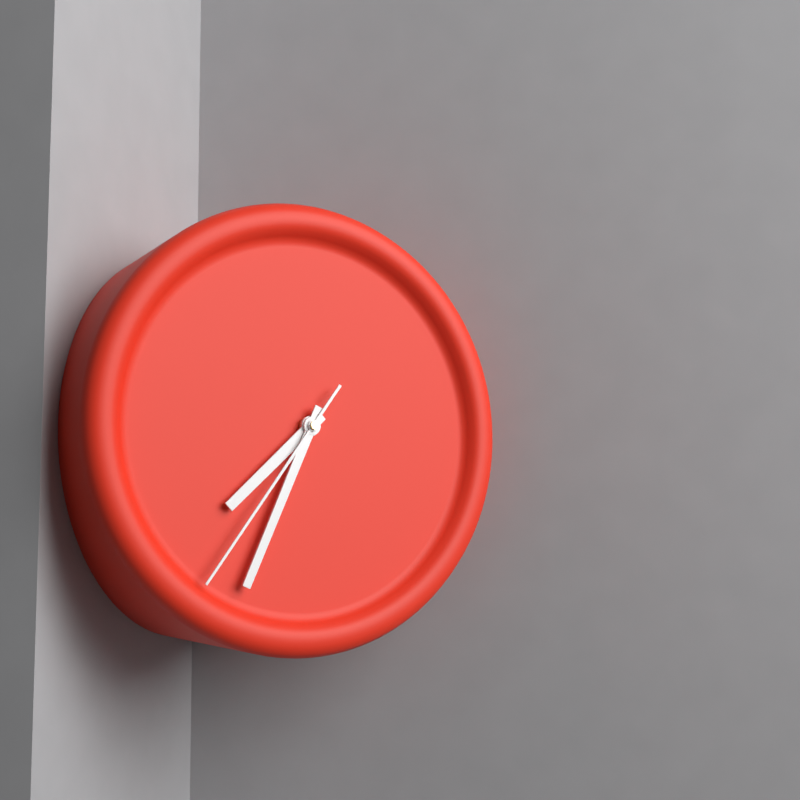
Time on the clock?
7:34:36
